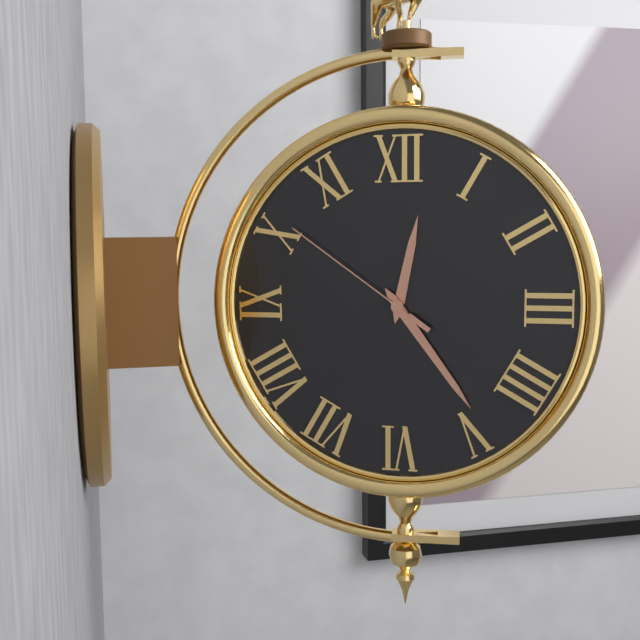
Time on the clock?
12:24:51
